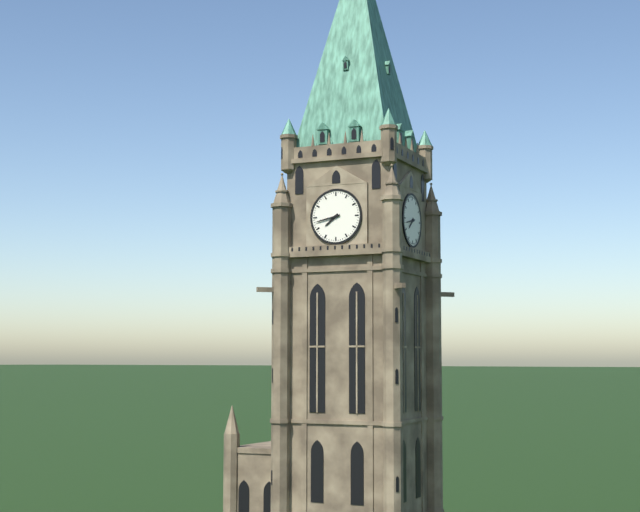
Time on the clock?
7:43
